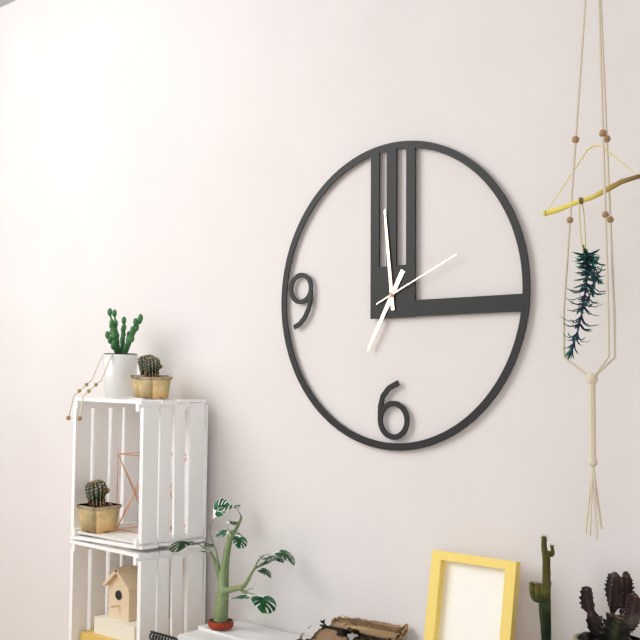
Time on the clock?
6:59:11
